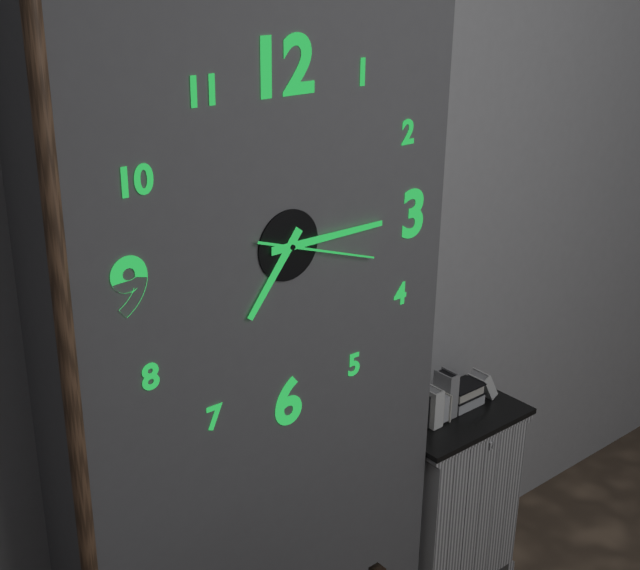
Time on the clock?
7:15:18
